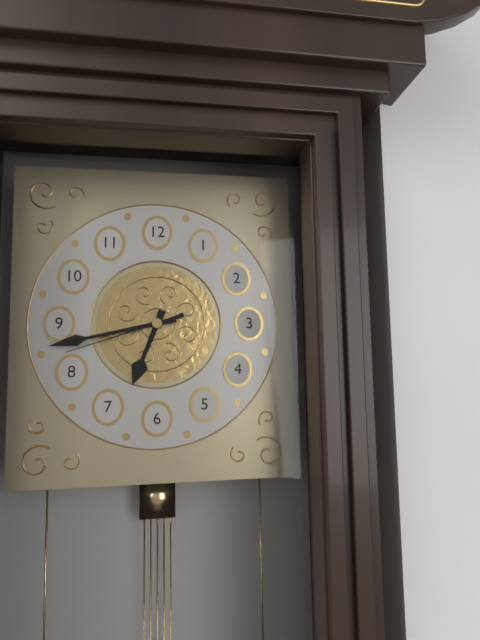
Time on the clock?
6:43:42
